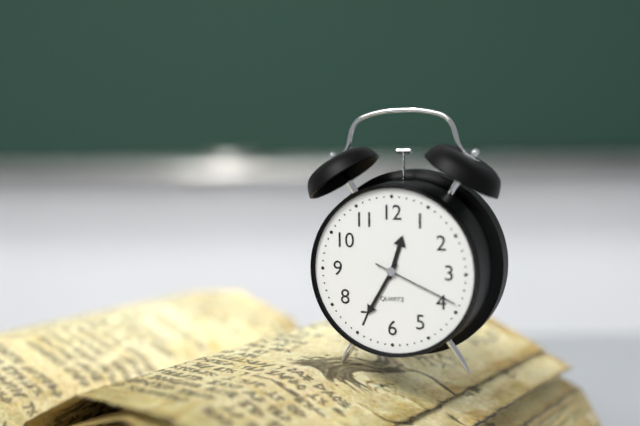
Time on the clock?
12:35:19
